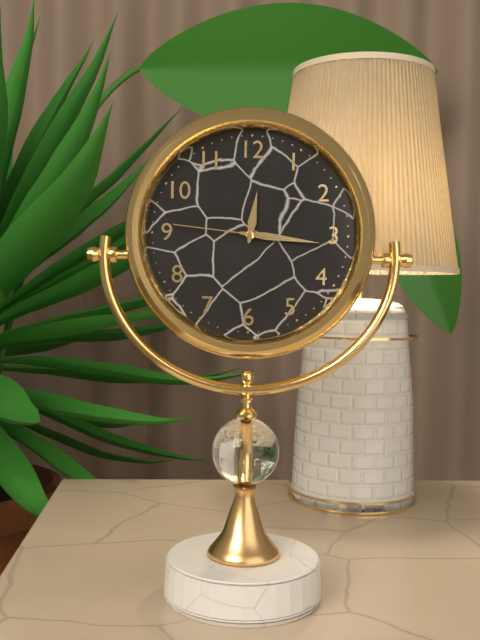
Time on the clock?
12:16:46
